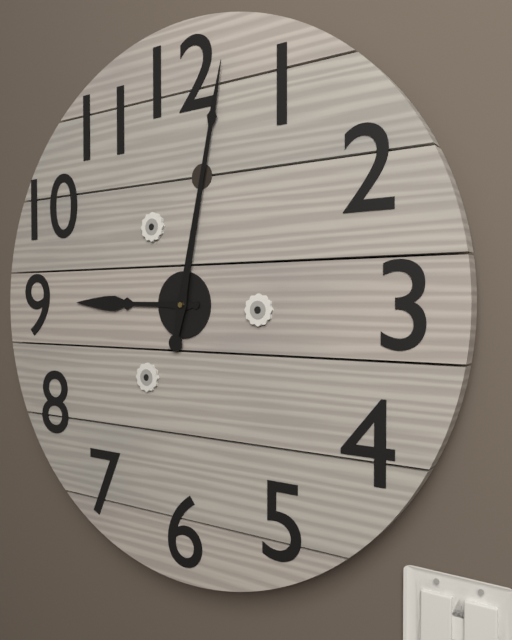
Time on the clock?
9:02
